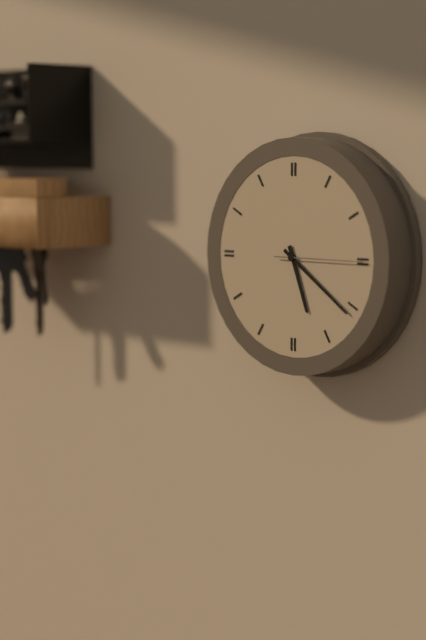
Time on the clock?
5:21:15
